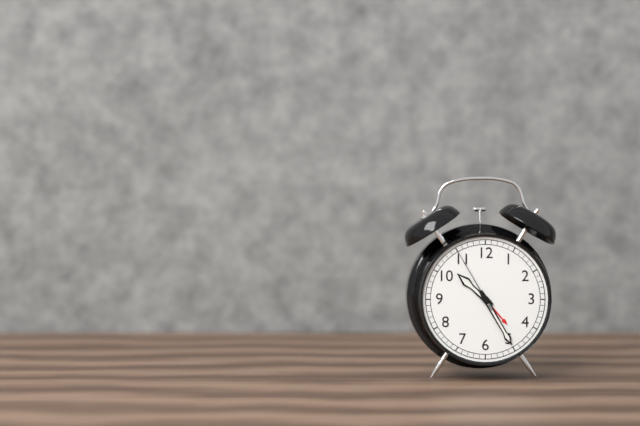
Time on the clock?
10:25:55
